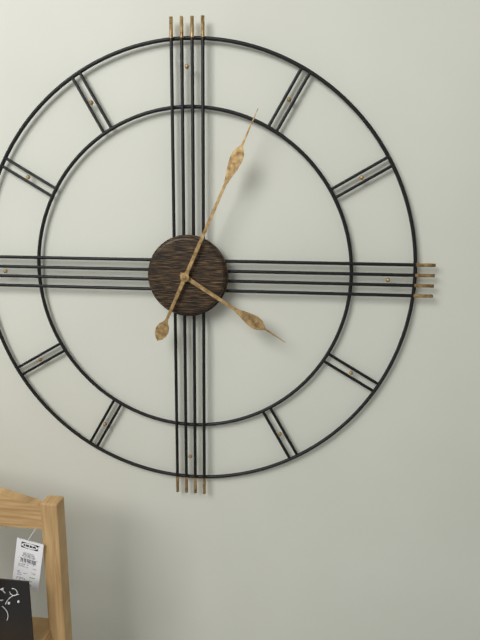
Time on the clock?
4:04
